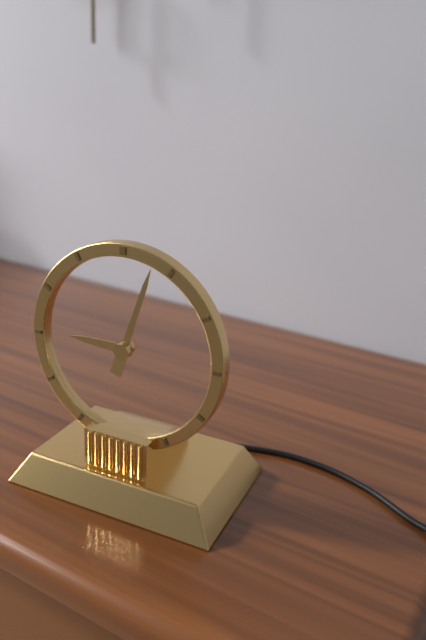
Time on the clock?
9:03
